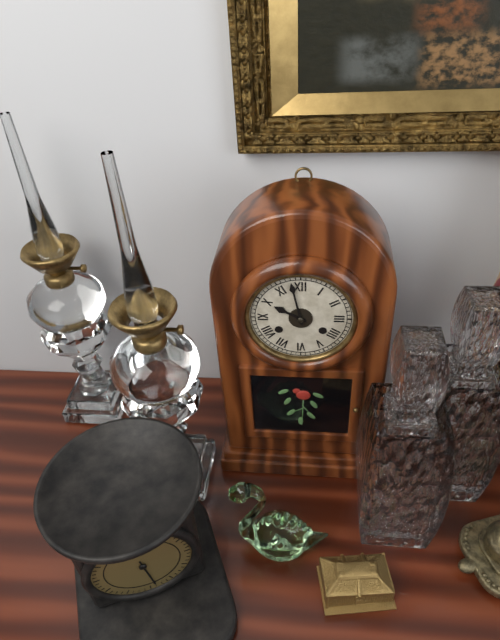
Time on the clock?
9:58
